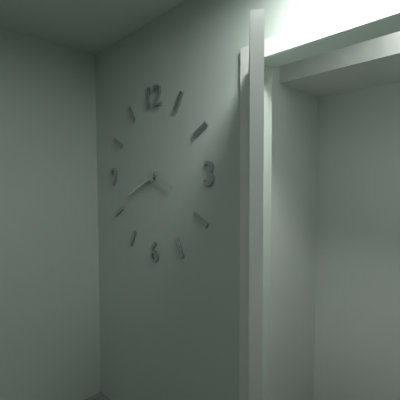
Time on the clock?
3:41
